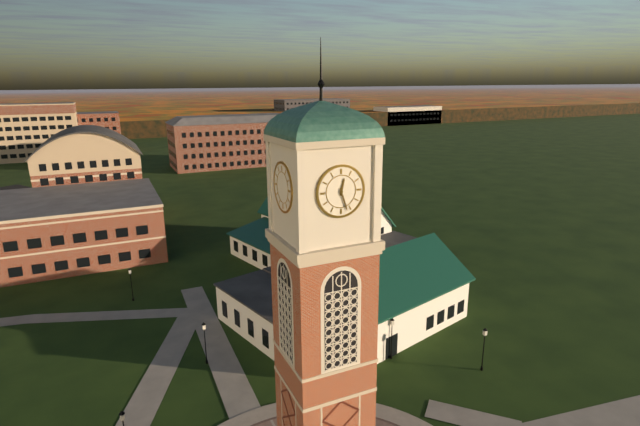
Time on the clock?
12:27
